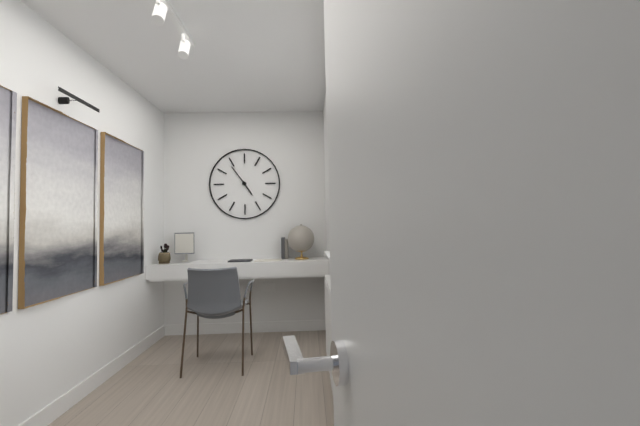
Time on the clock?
4:54
